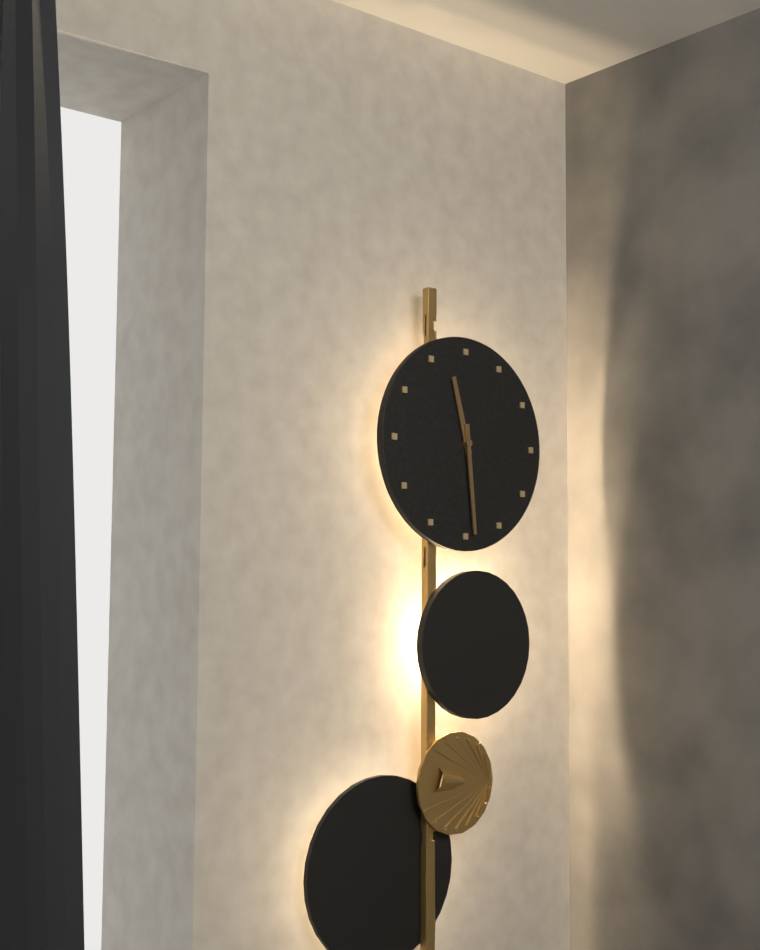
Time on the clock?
11:29
